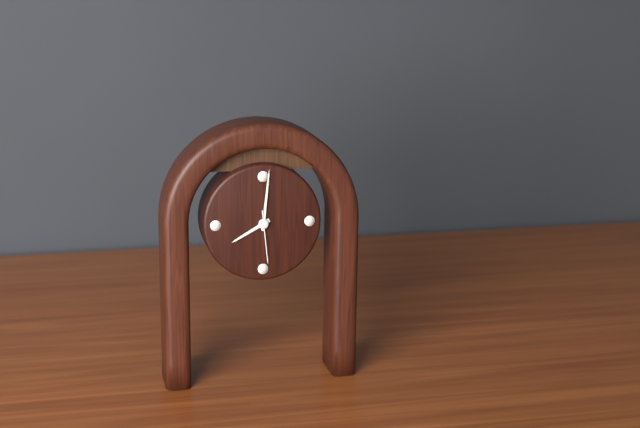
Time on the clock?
8:01:29
